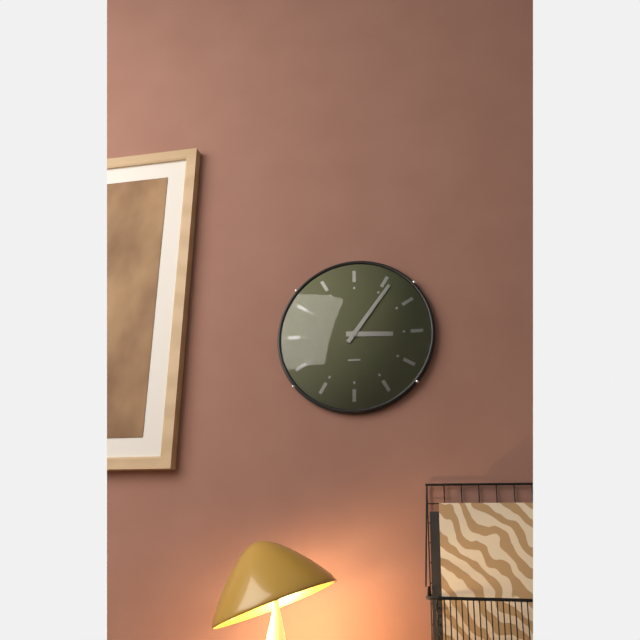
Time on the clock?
3:06
